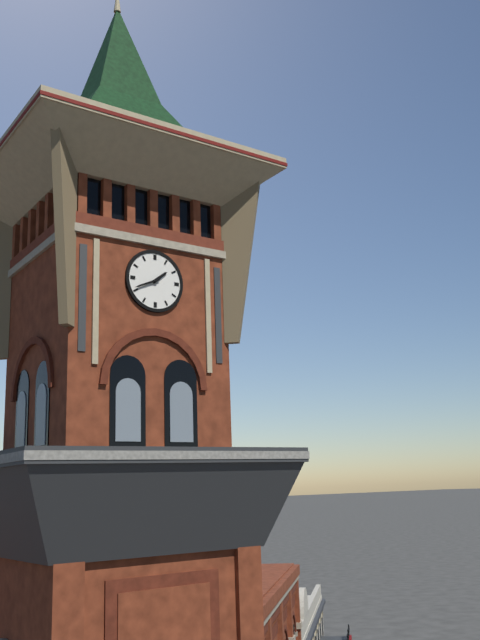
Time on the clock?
1:41
